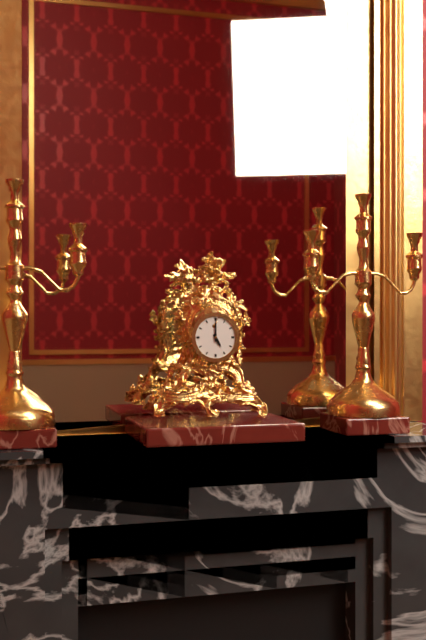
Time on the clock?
5:00
